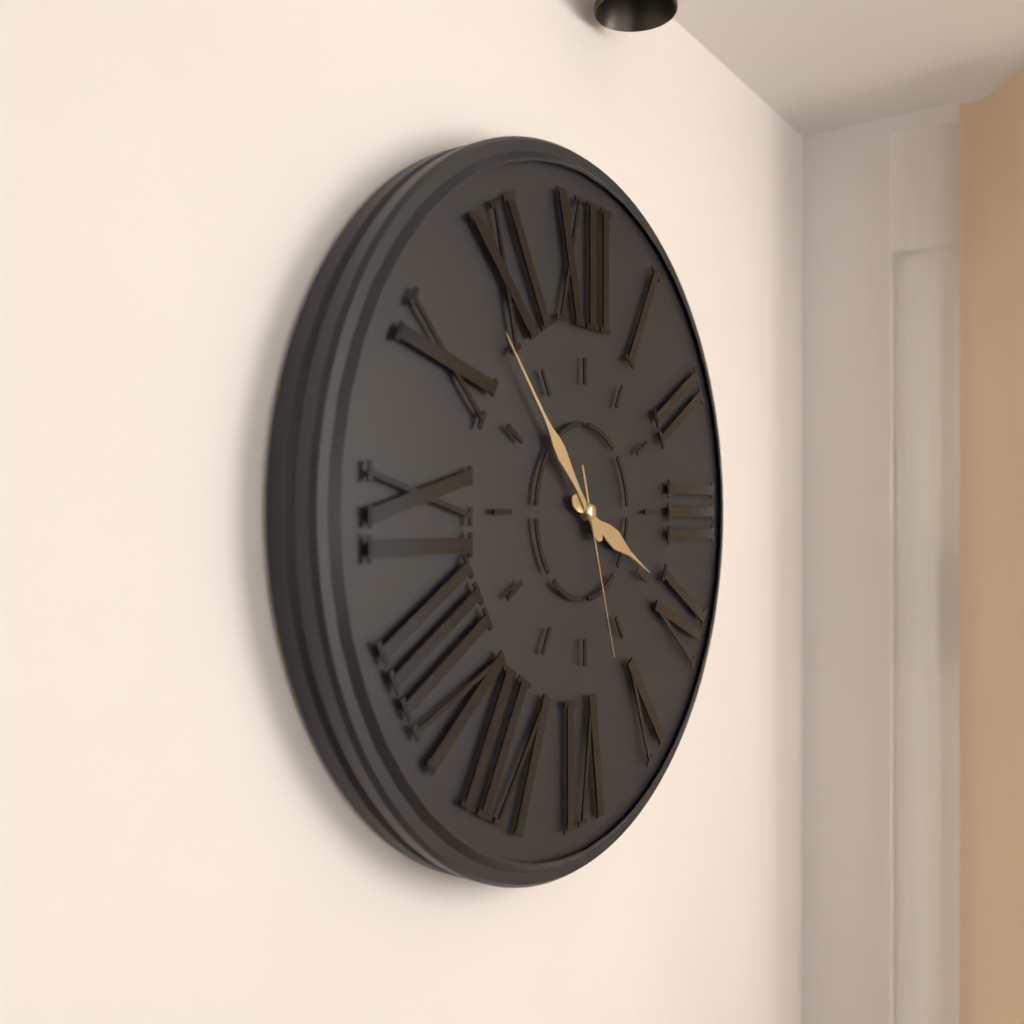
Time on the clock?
3:53:27
